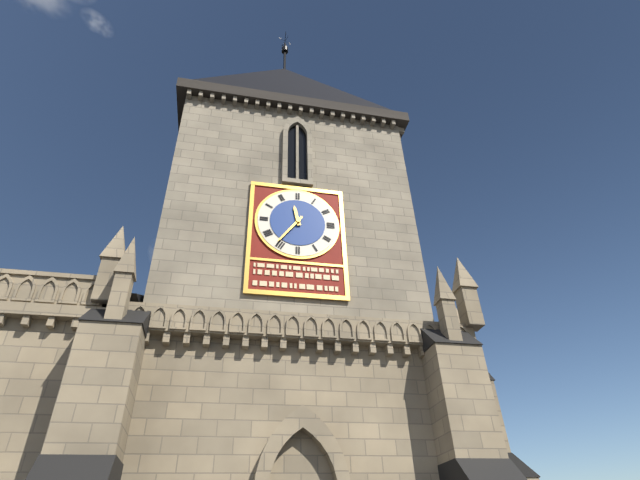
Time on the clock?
11:36
